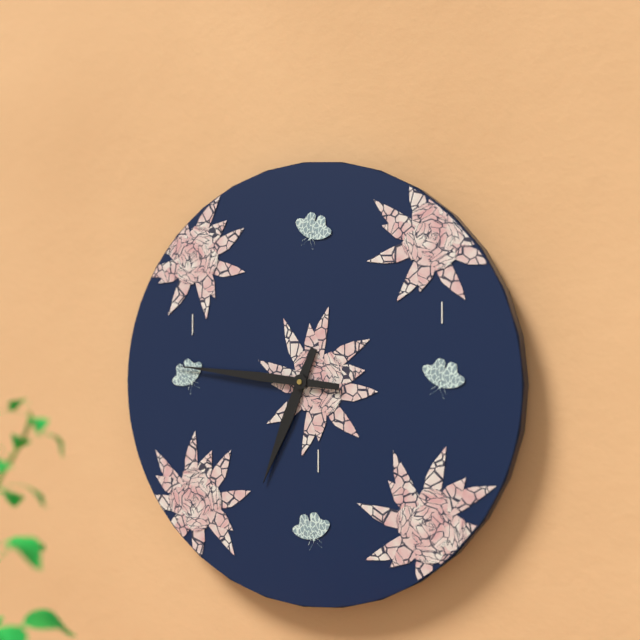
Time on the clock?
6:46
